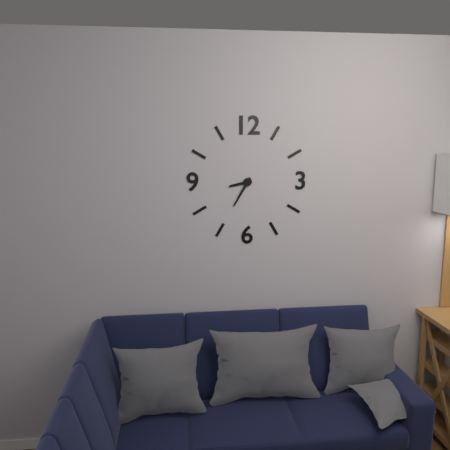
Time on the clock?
8:35
